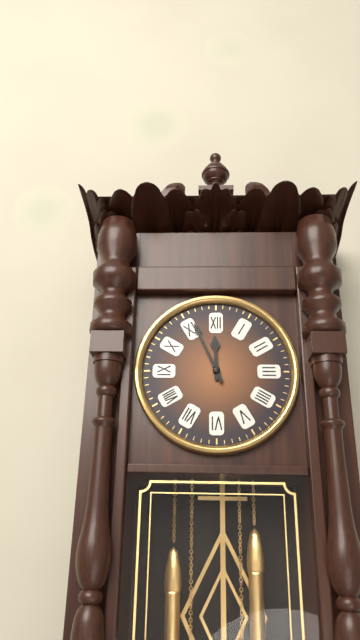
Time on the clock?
11:56
